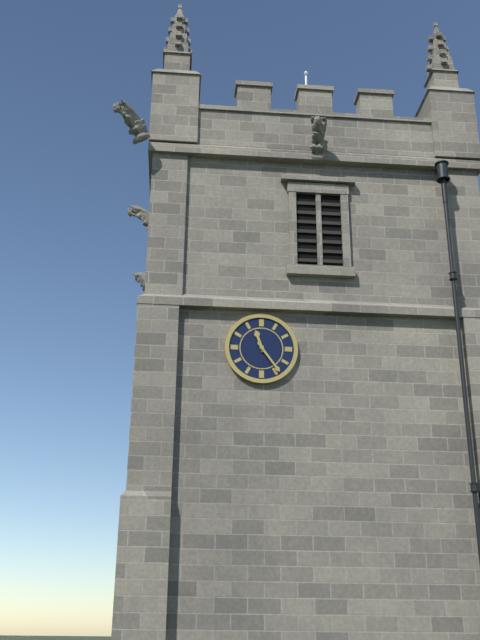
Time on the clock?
11:24
